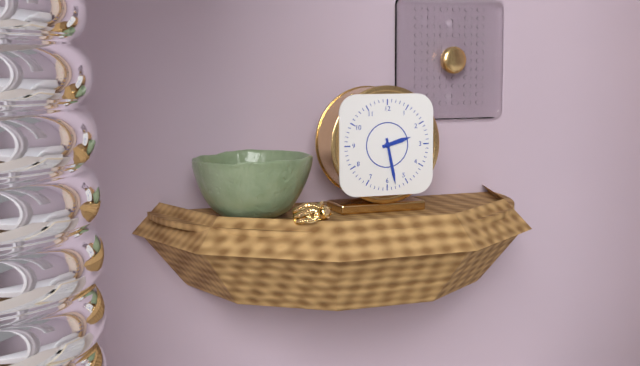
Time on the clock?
2:28
